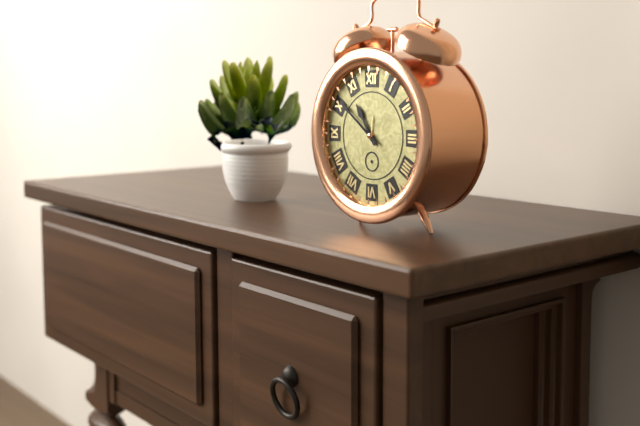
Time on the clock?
10:51
